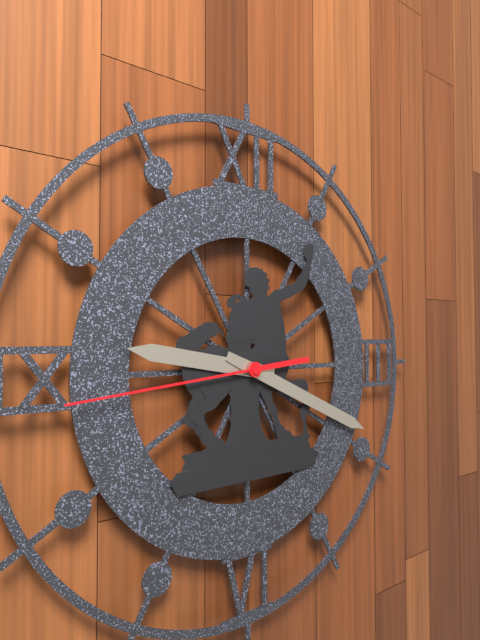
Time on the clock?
9:19:44
